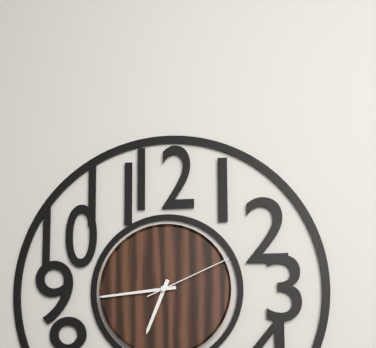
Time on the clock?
6:44:11
